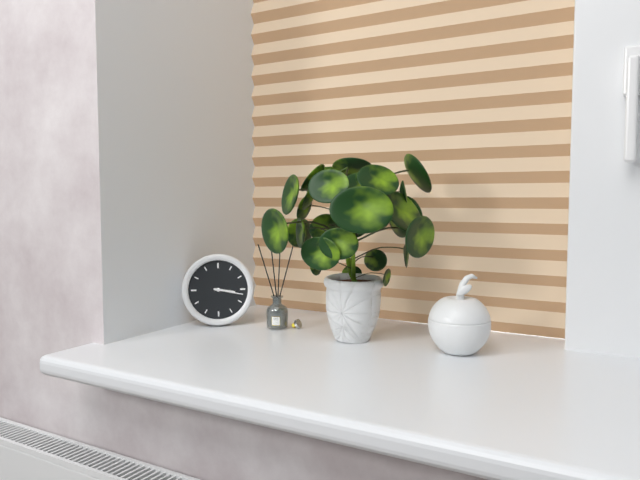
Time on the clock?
3:17
